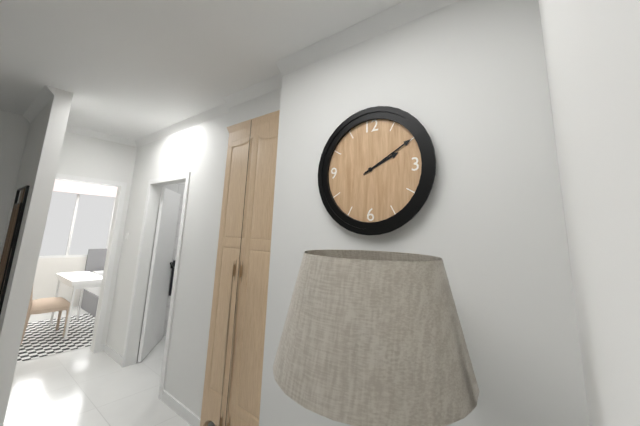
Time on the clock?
2:10
